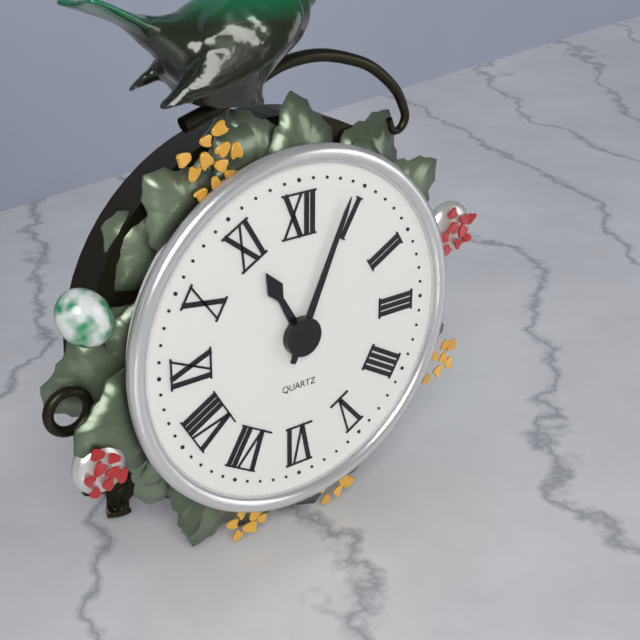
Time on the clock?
11:04
